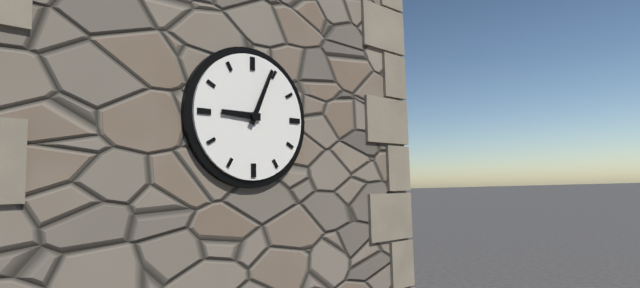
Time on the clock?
9:04
